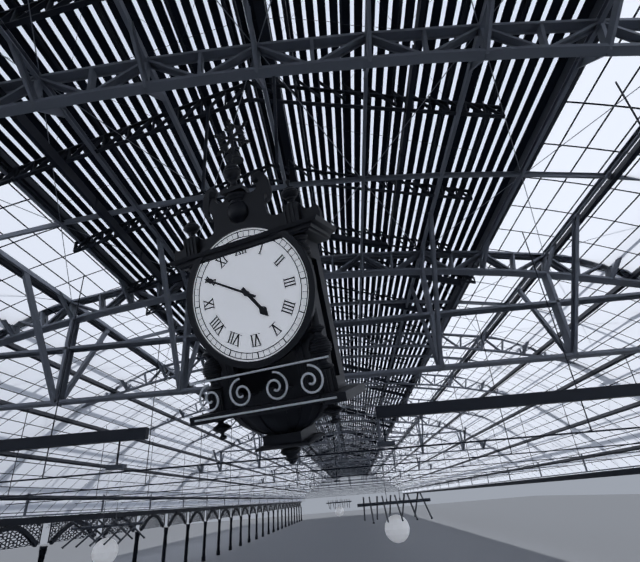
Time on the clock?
4:50
